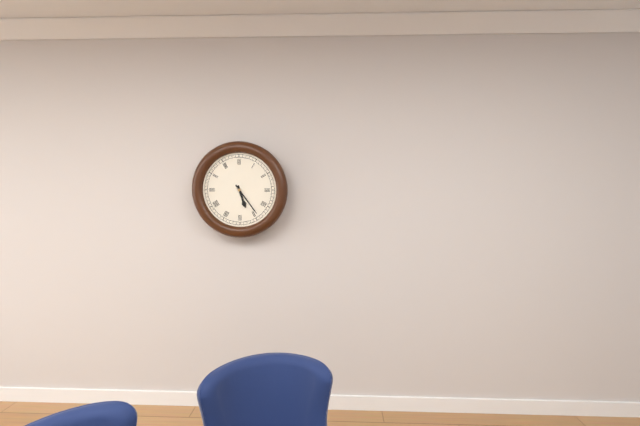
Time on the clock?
5:24
